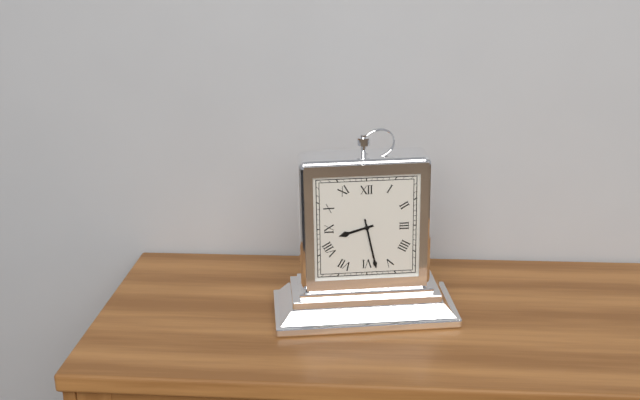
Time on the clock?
8:28
